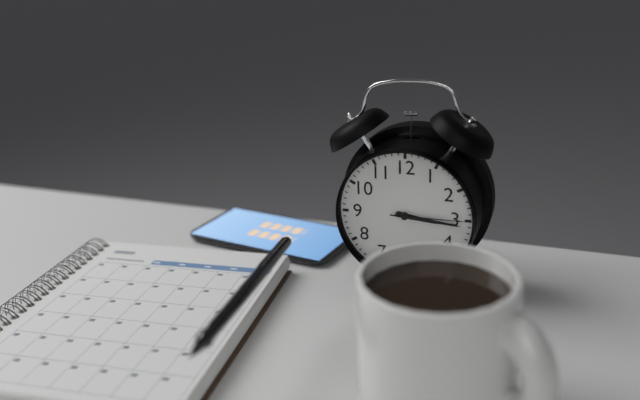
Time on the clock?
3:16:15
